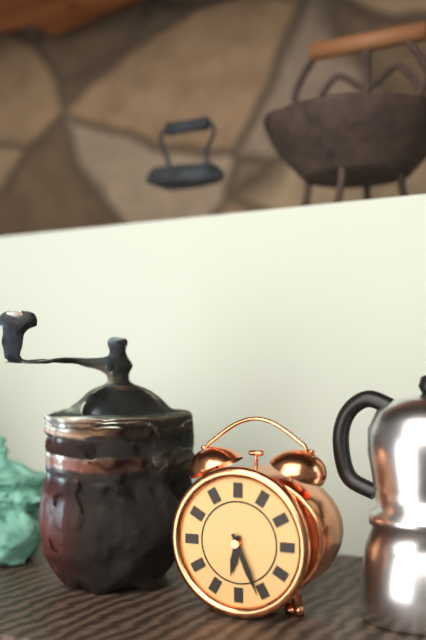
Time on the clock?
6:26
